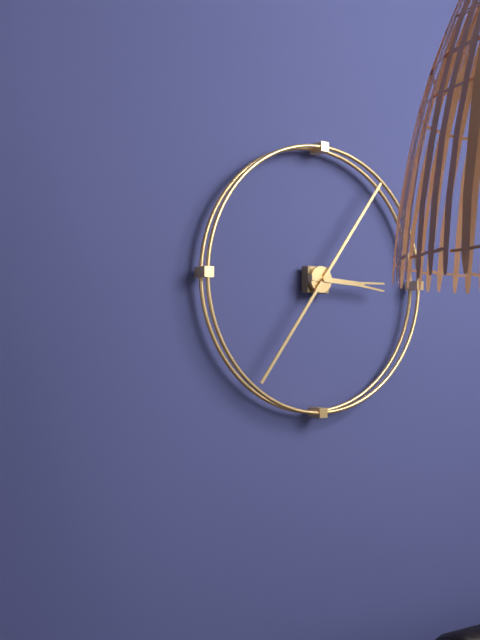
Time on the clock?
3:06
